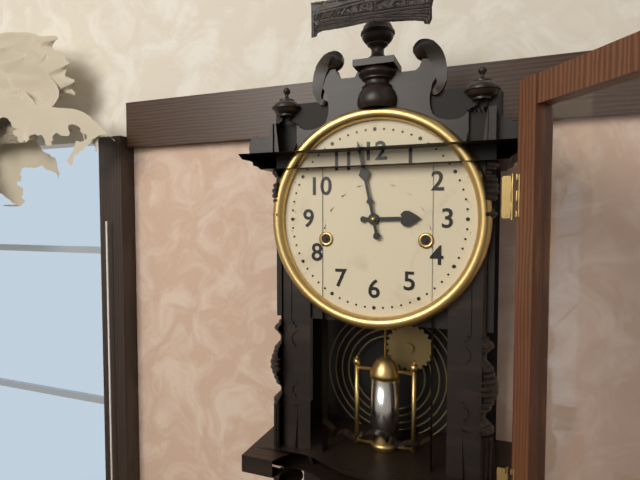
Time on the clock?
2:58
